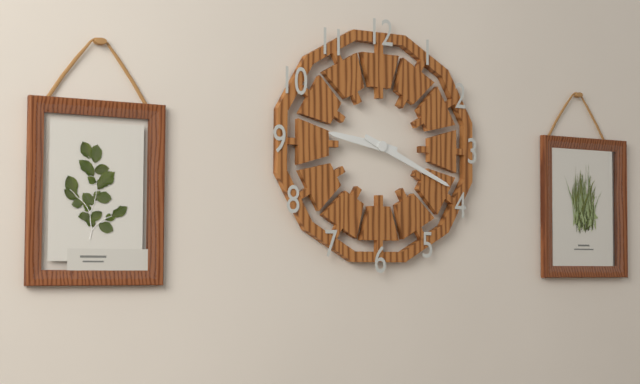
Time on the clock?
9:19
